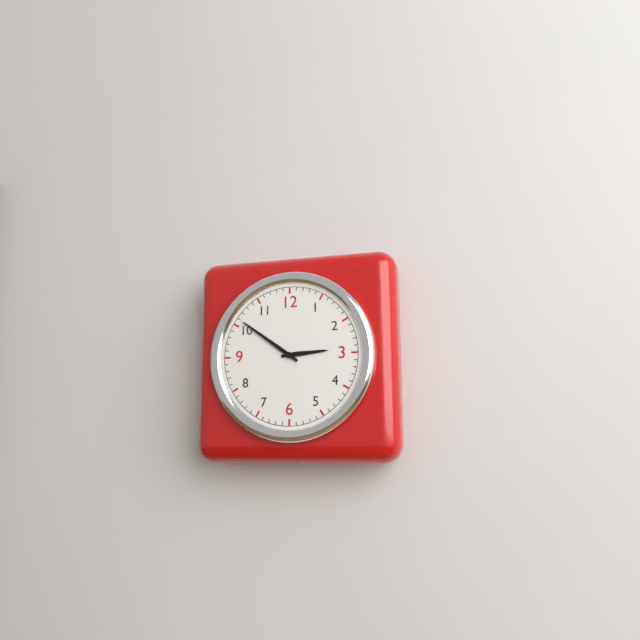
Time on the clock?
2:51
